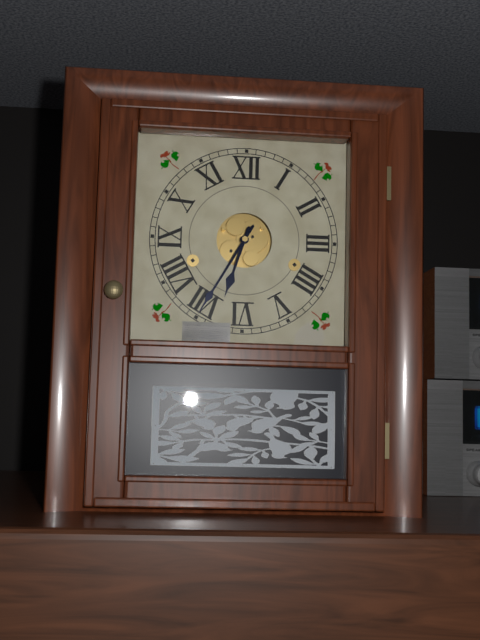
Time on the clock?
6:35
